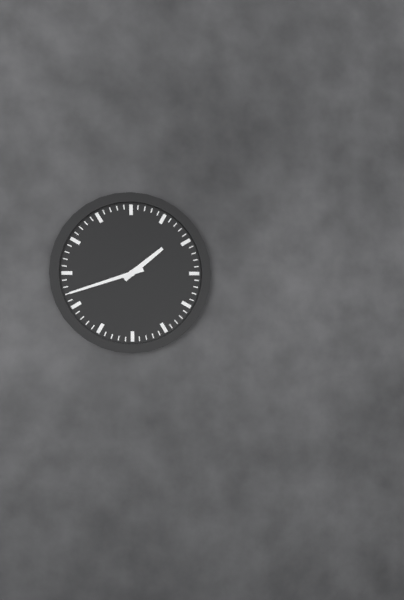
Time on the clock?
1:42
